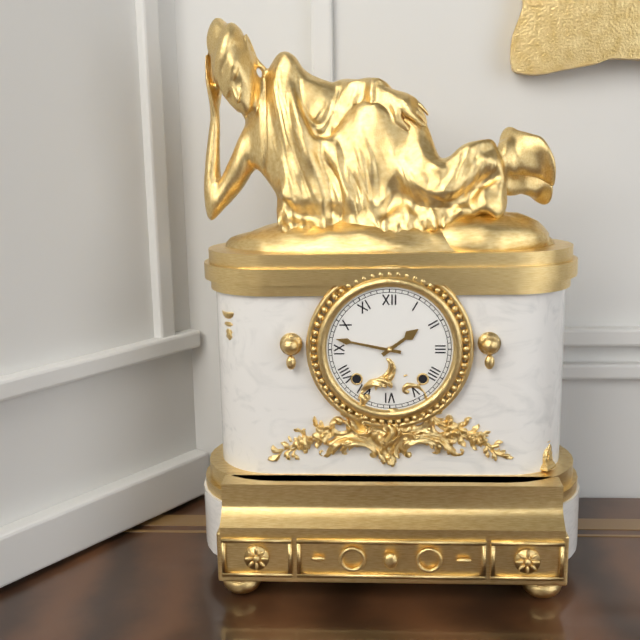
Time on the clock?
1:47
